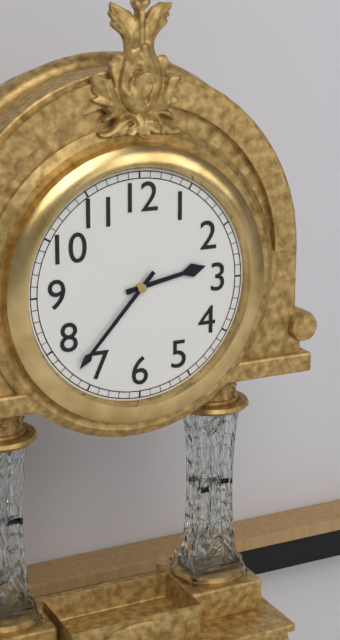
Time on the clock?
2:37
